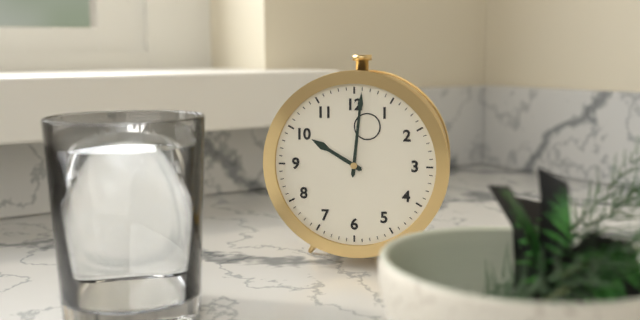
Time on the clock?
10:01
